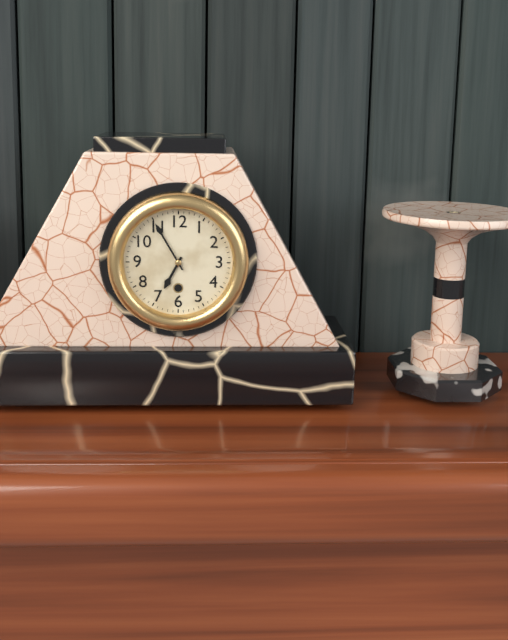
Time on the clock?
6:55
